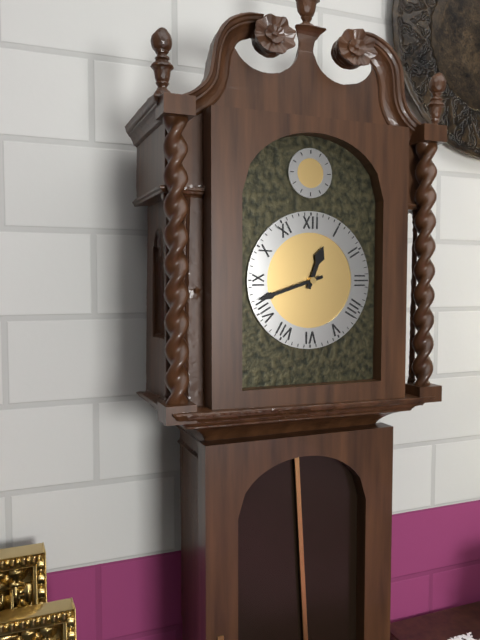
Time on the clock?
12:42
